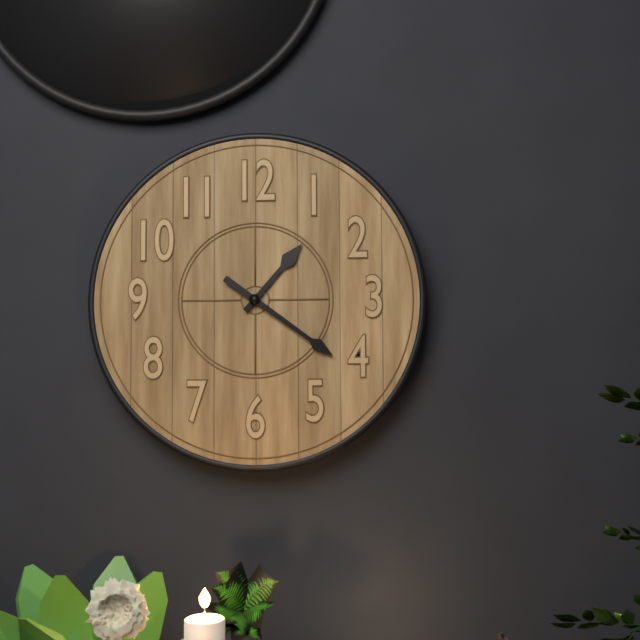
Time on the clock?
1:21
